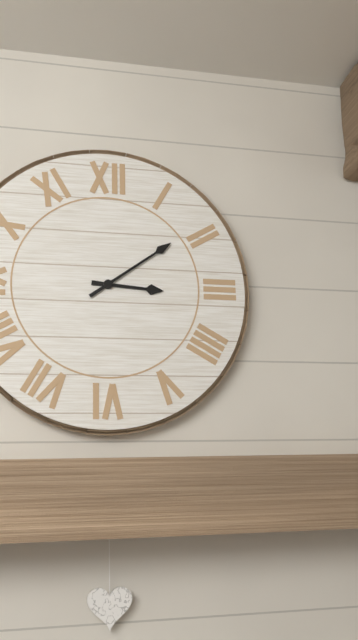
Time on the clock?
3:09
